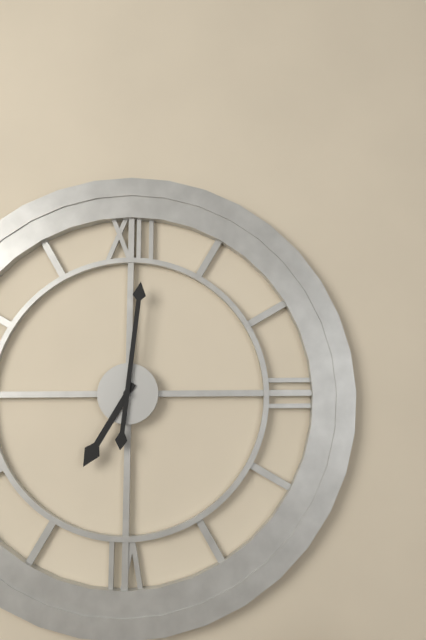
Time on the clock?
7:01
